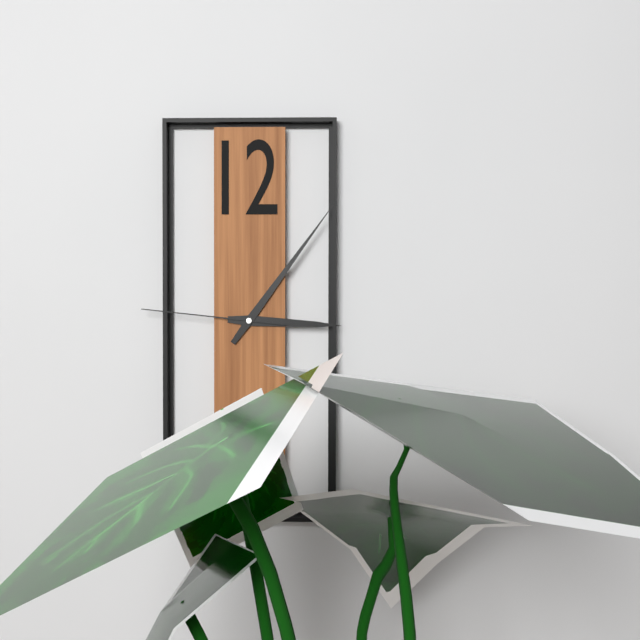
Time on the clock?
3:06:46
